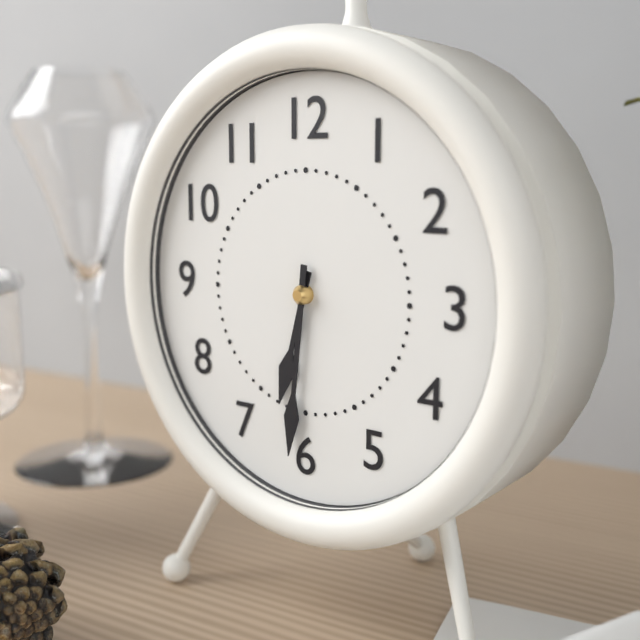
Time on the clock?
6:31
